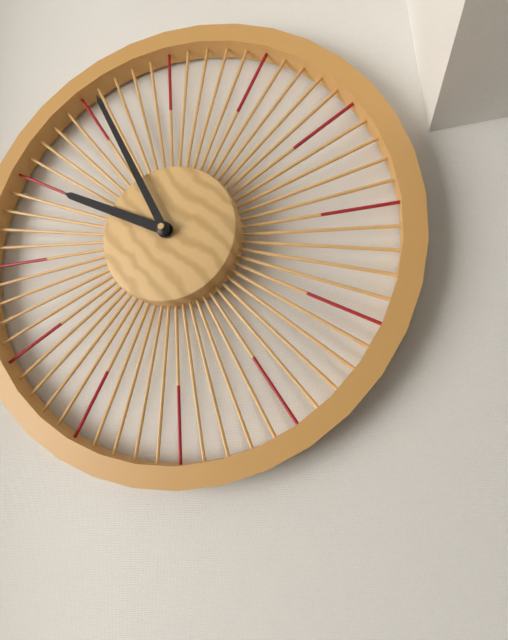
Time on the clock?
9:56
